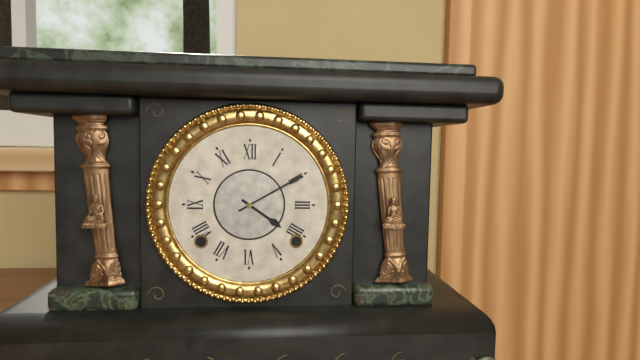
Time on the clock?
4:10
